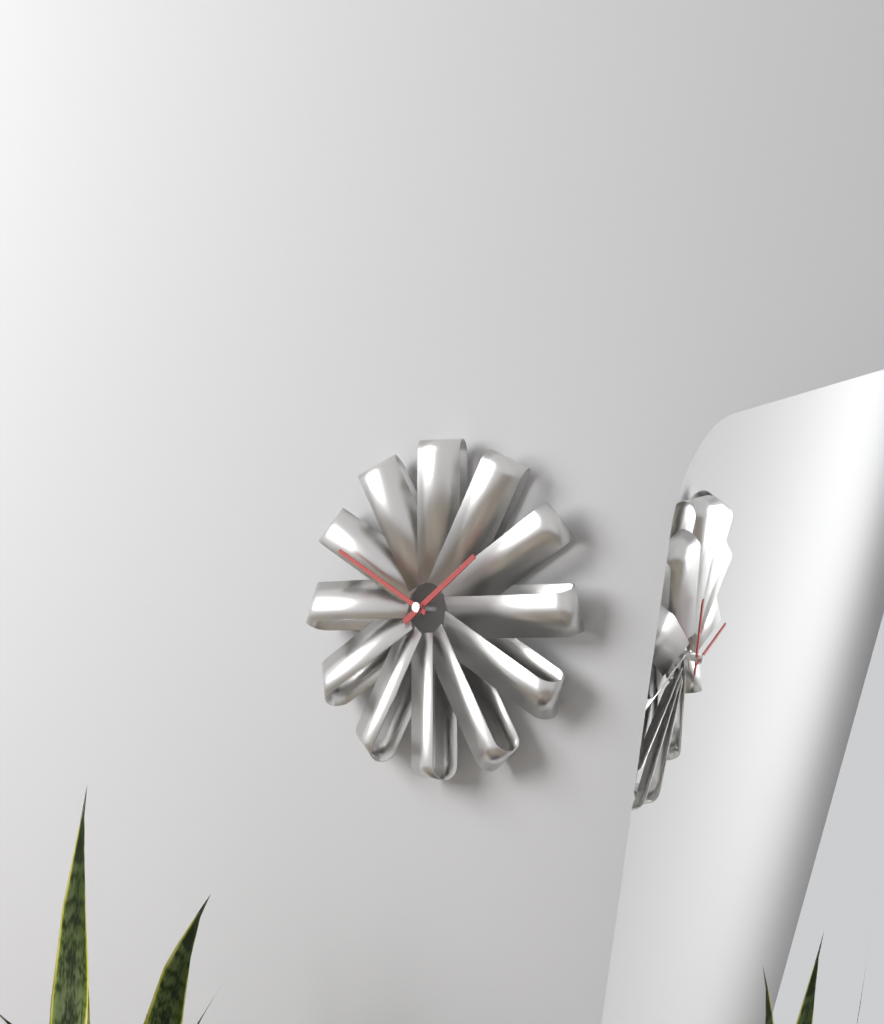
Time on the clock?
1:50
